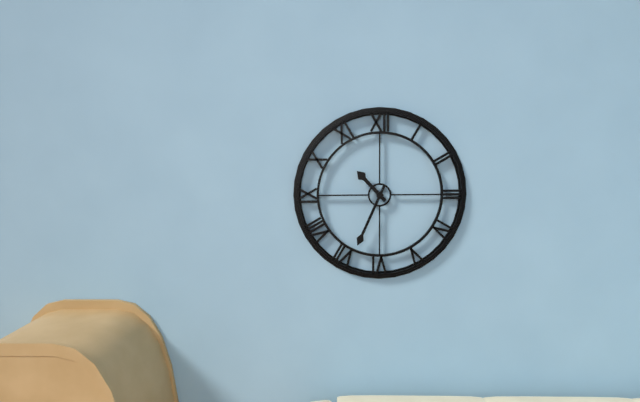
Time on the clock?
10:34
